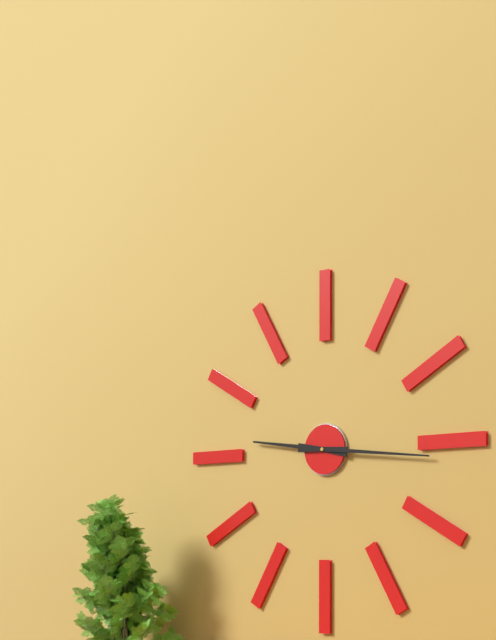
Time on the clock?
9:16
